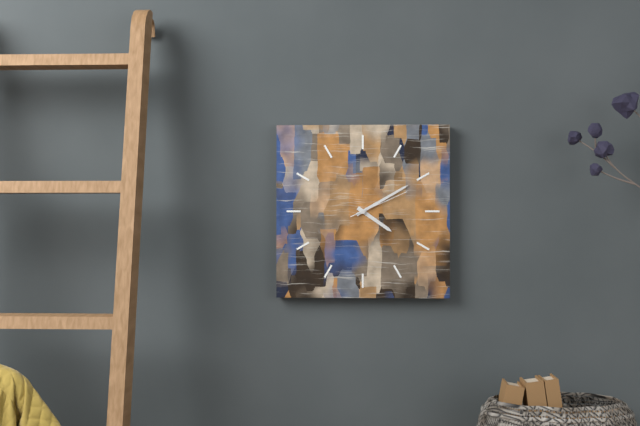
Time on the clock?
4:10:11
